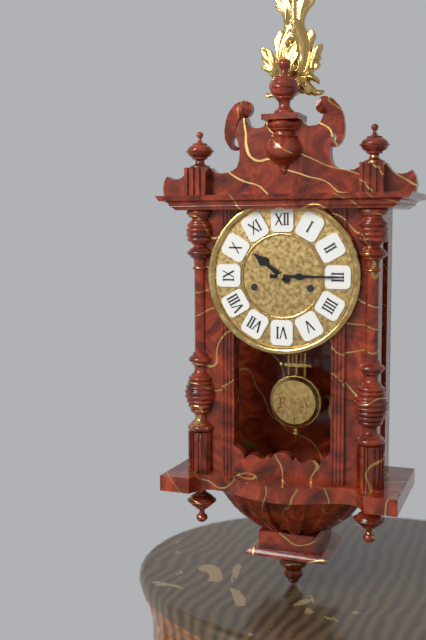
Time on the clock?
10:15
